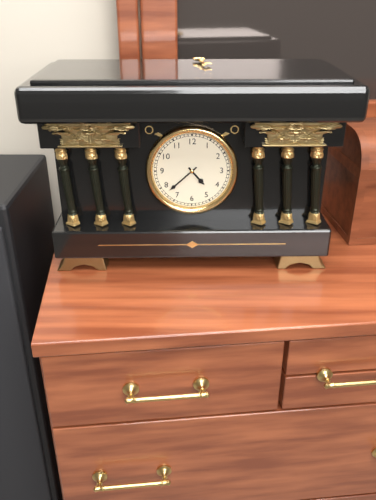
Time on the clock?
4:38
